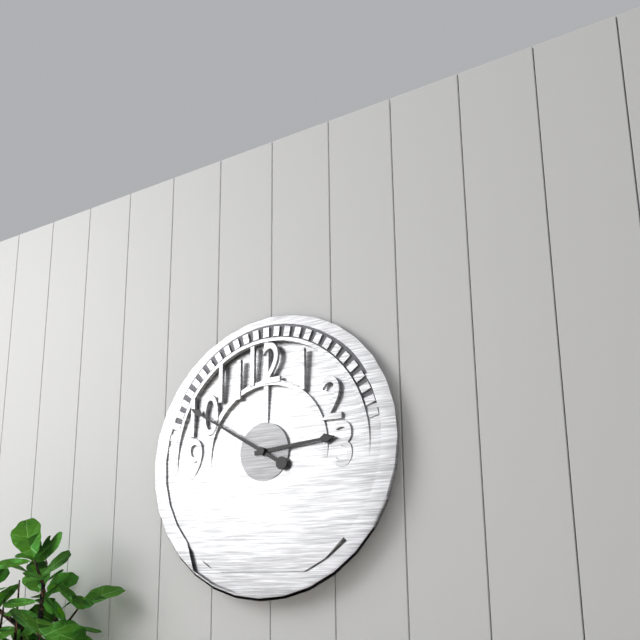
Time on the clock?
2:50
